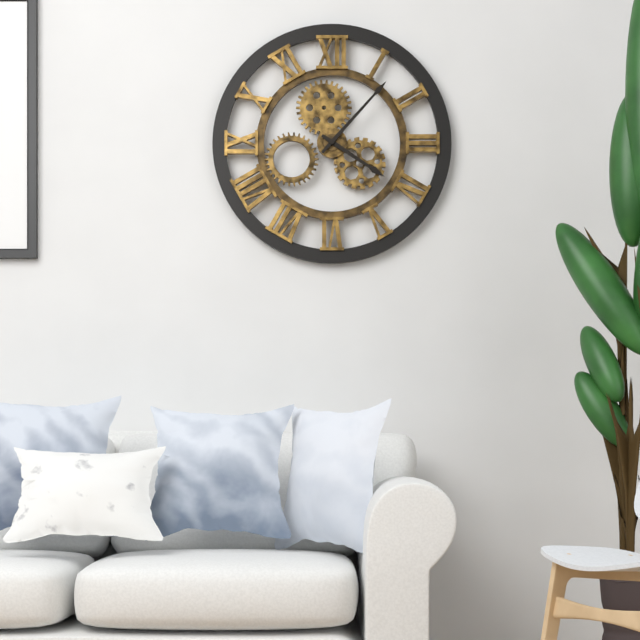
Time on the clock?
4:07
